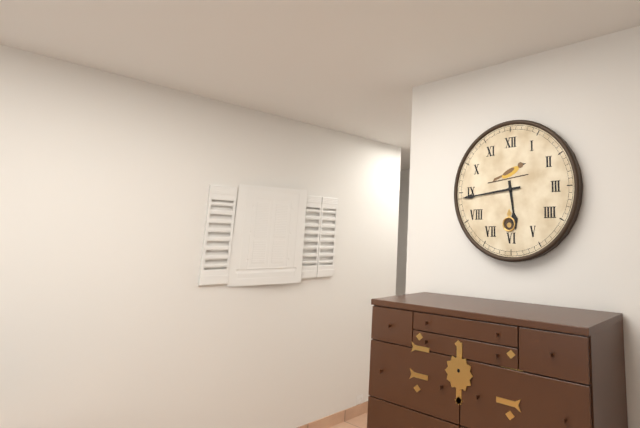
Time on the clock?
5:44
